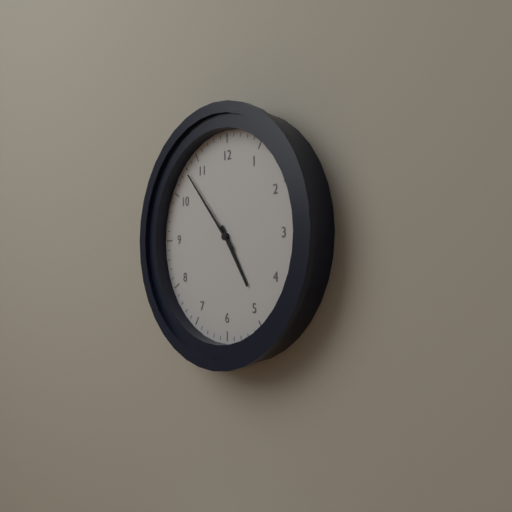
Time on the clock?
4:53
